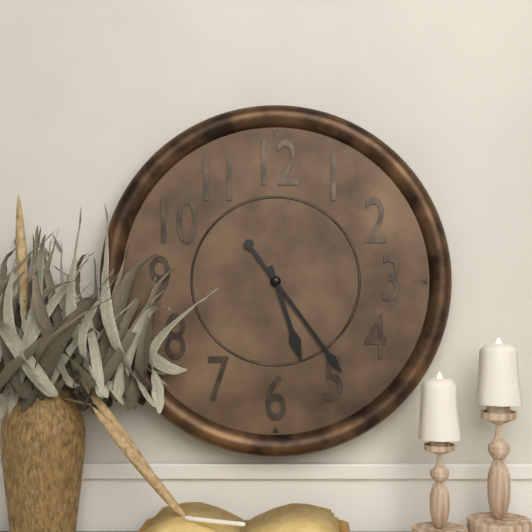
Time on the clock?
5:24
